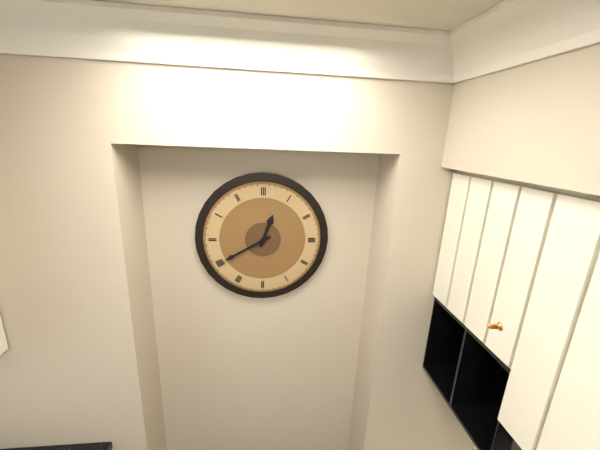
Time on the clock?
12:40
